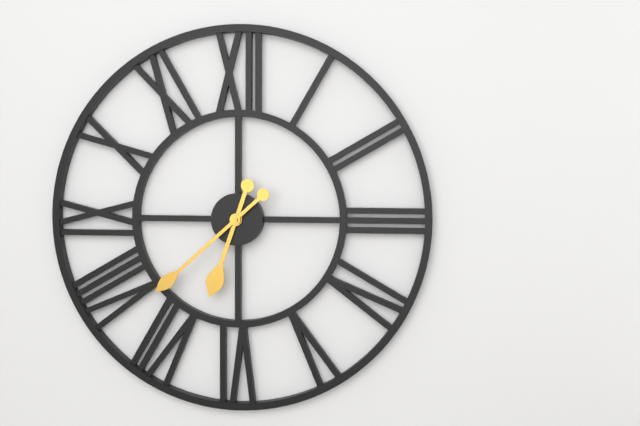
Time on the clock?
6:38
